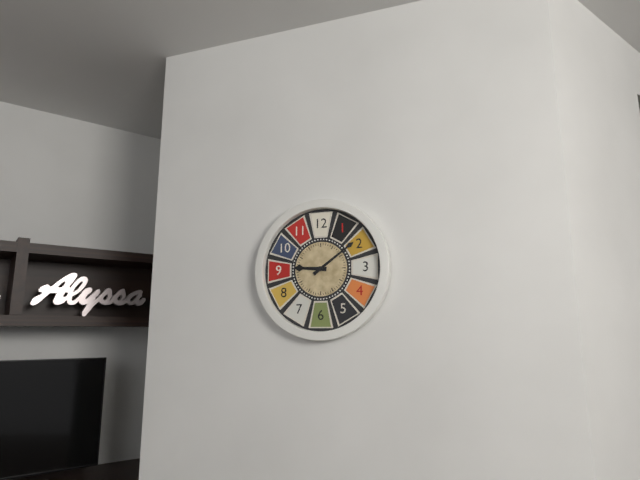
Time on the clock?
9:09
